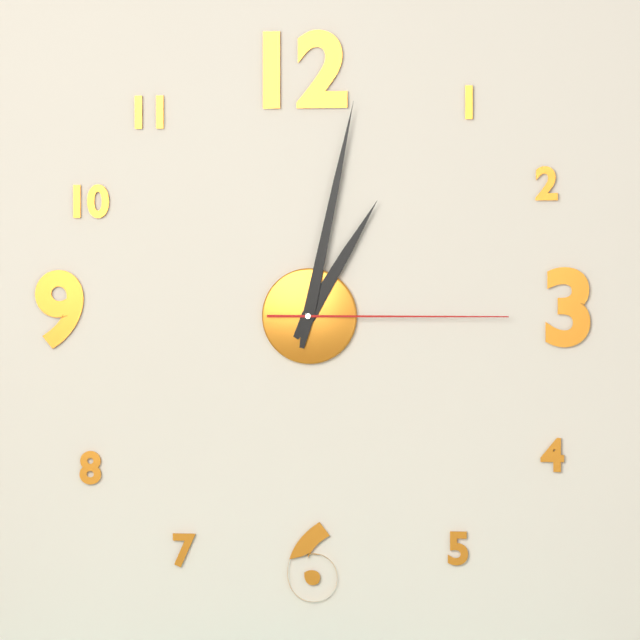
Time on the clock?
1:02:15
